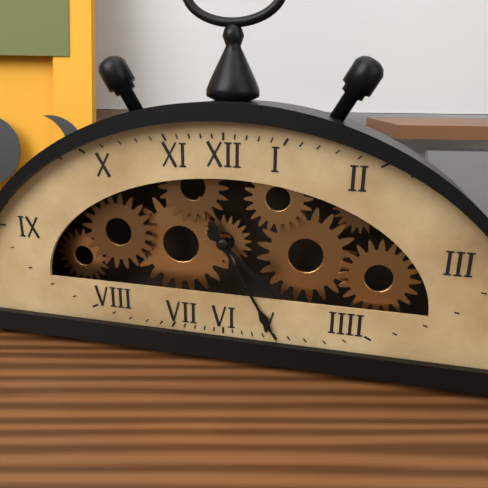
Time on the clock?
4:25
